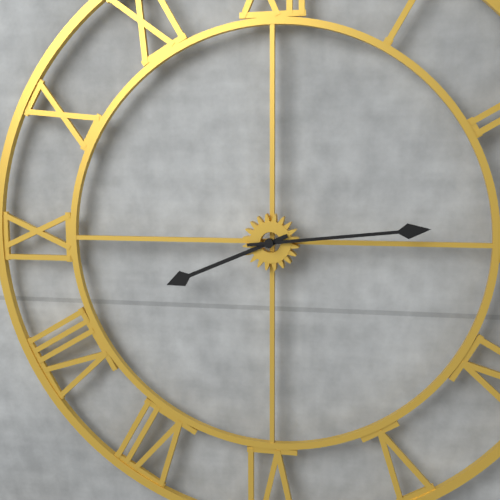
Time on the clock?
8:14
